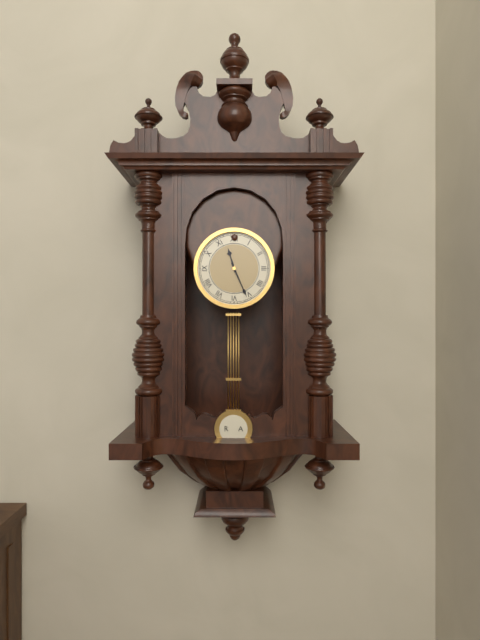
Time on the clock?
11:26
